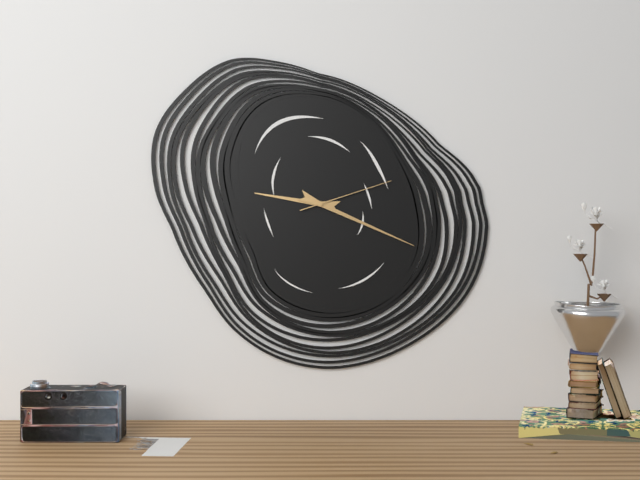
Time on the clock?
9:19:12
